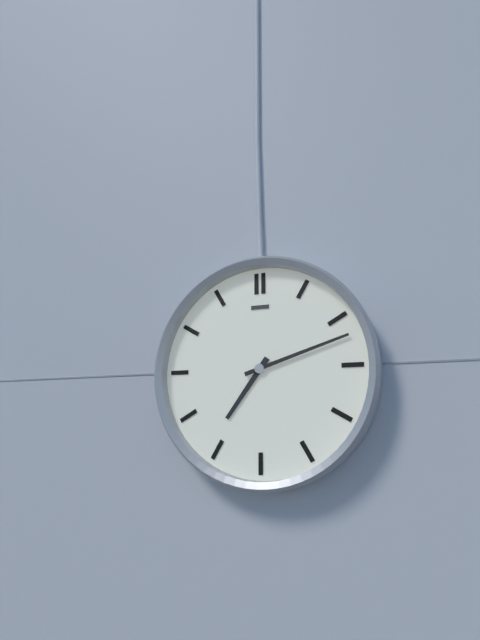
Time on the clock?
7:12
